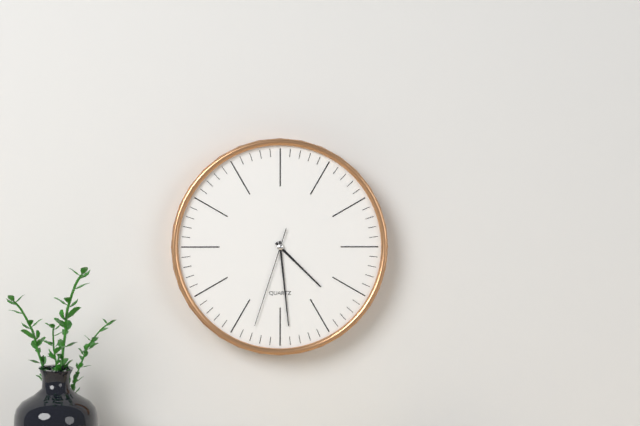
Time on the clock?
4:29:33
